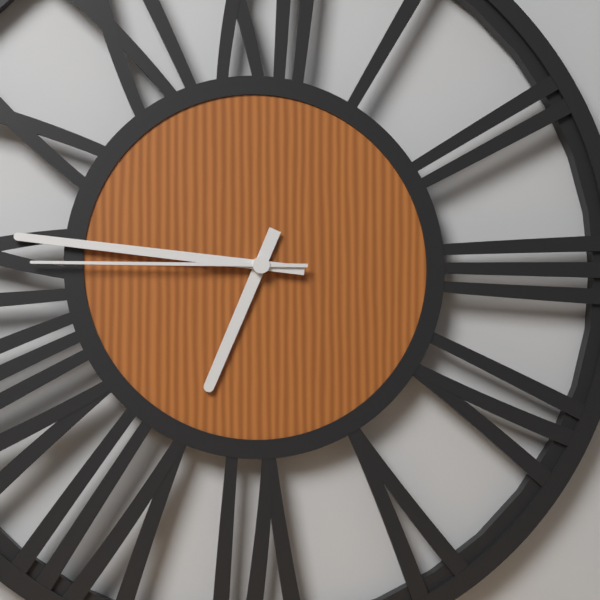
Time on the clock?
6:46:45
